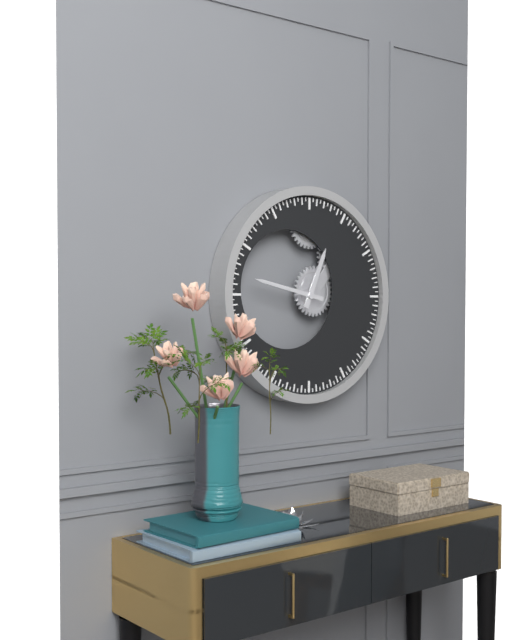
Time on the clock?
12:47
